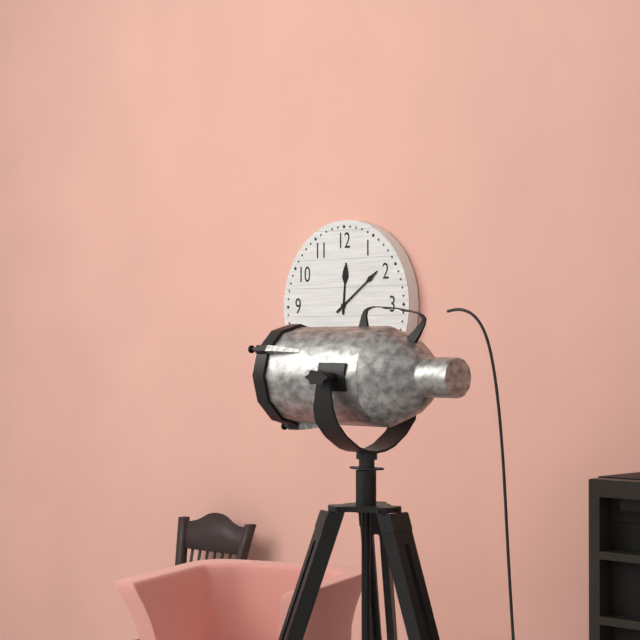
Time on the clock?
12:09
